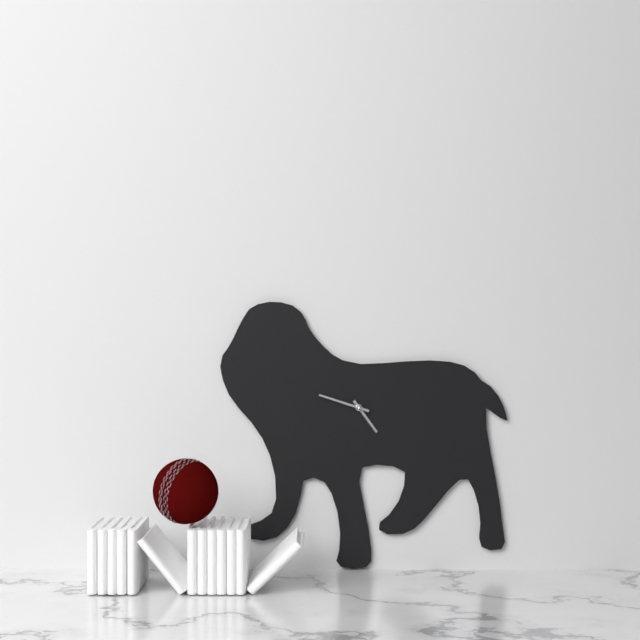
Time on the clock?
4:48
